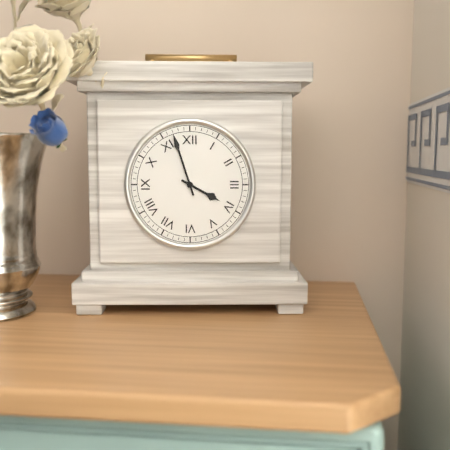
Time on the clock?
3:57
